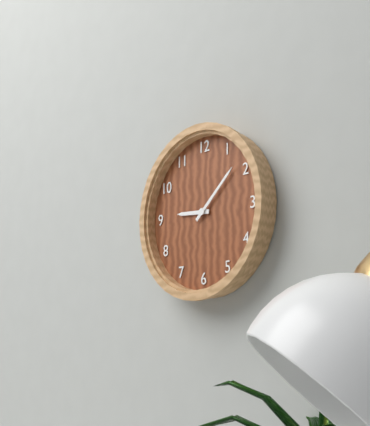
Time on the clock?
9:08
